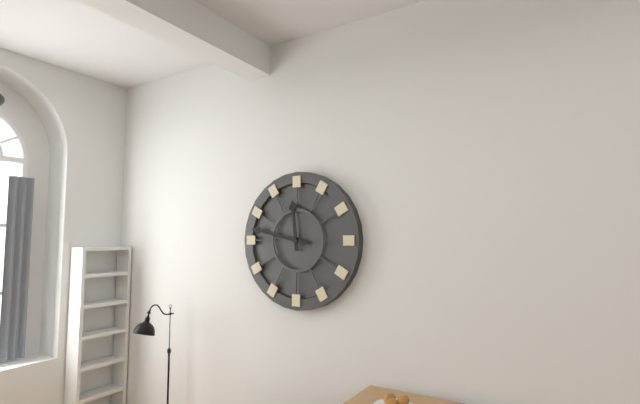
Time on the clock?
11:47
